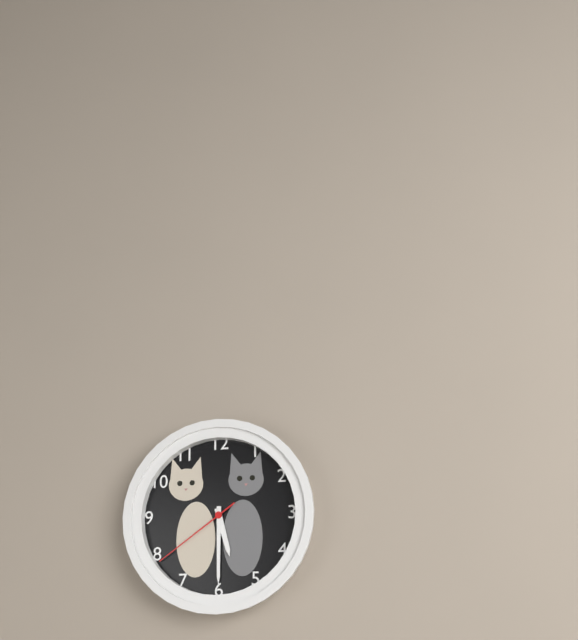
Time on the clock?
5:30:39
